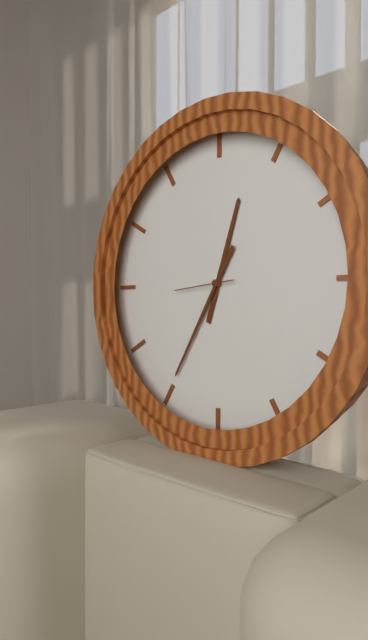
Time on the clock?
12:35:44
